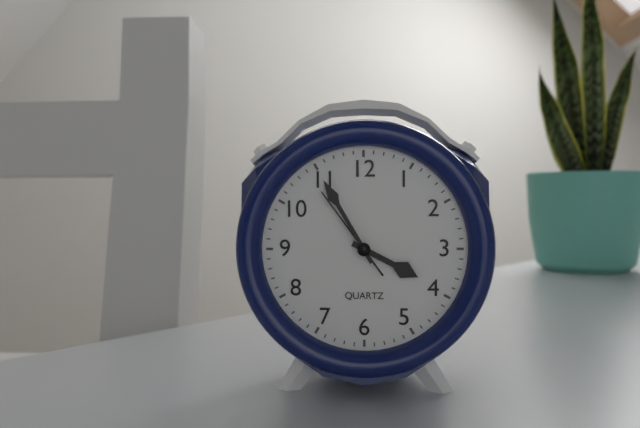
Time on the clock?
3:55:54
